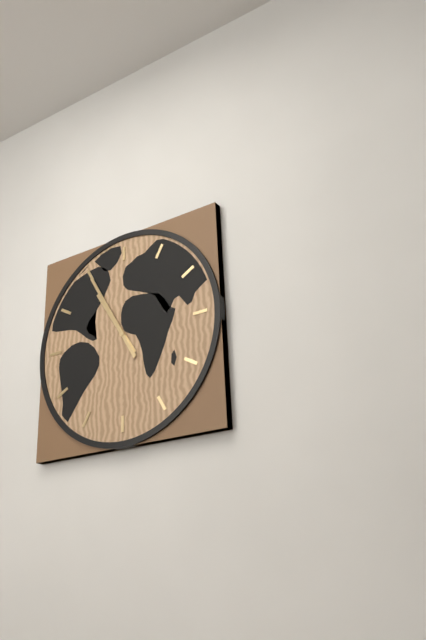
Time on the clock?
10:55
